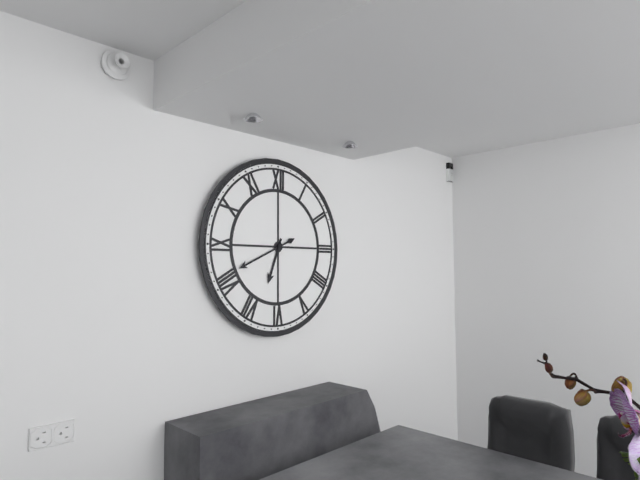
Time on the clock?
6:41
